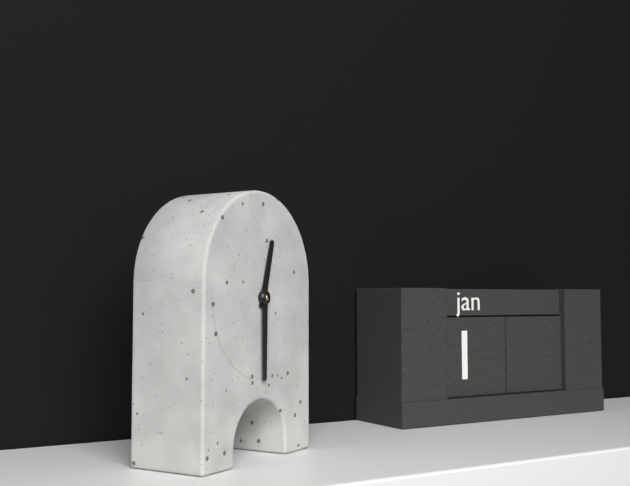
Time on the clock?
12:30
